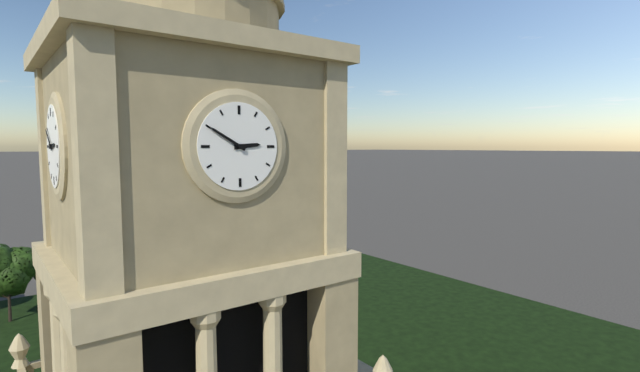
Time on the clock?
2:50
